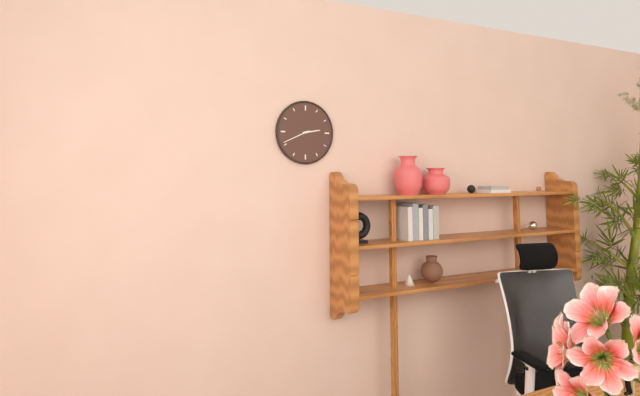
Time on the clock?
2:41
